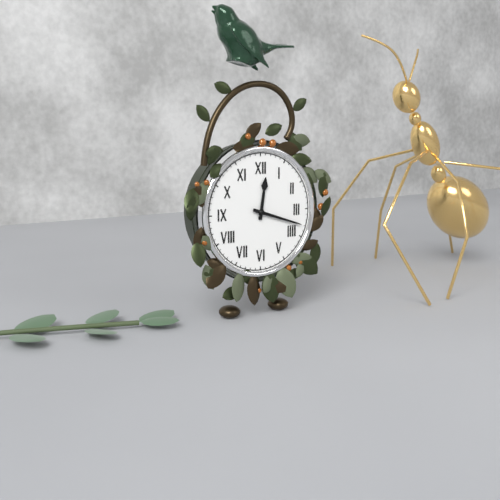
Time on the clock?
12:18
